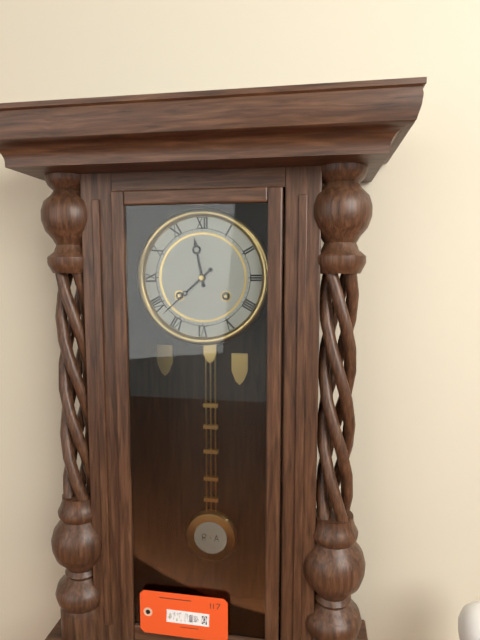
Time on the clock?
11:38
